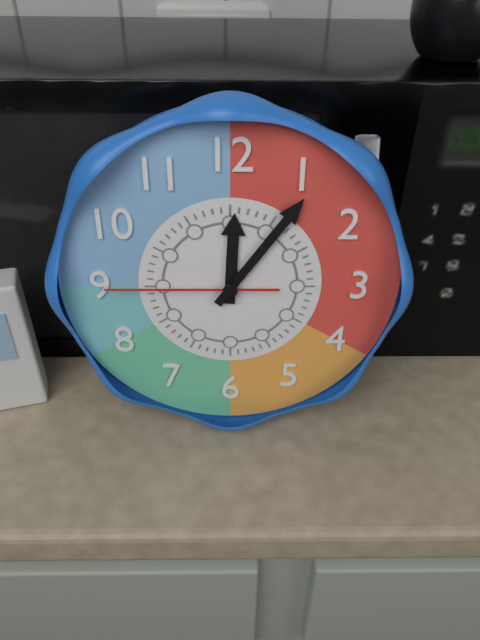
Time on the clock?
12:06:45
